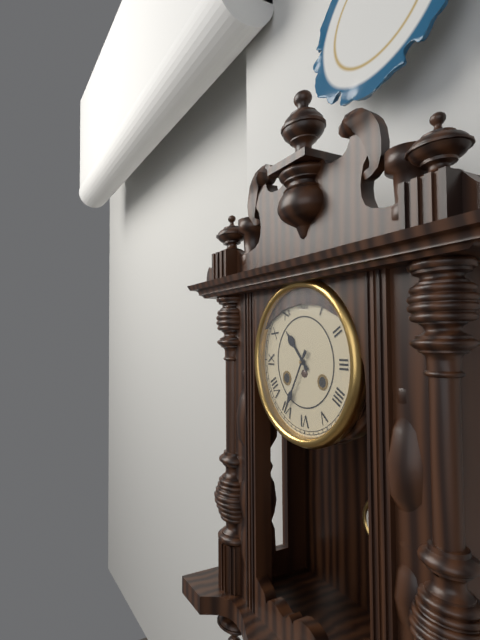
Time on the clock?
10:35
